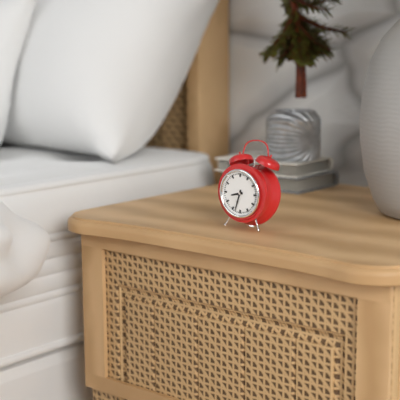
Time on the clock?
8:33
